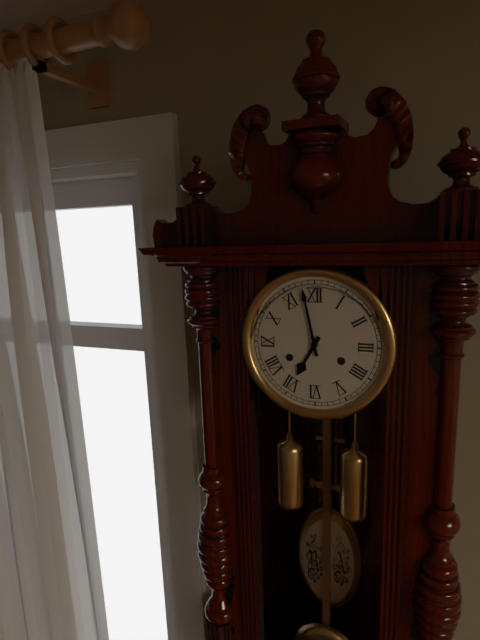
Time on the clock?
6:58
